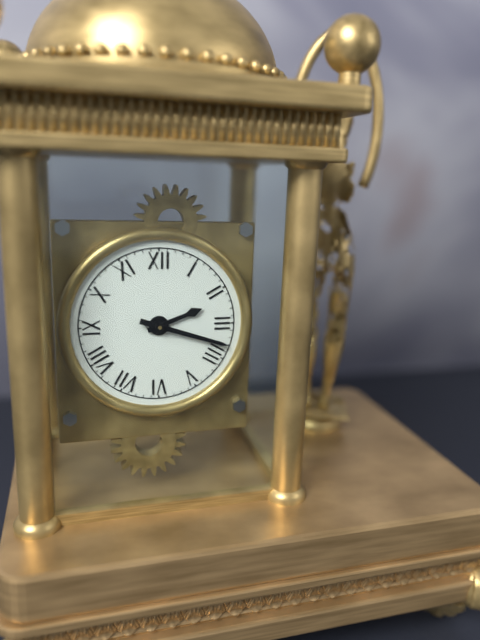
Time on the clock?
2:18
